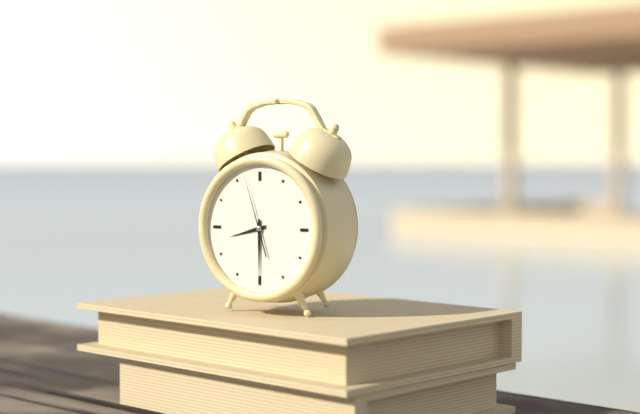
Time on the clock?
8:30:57
